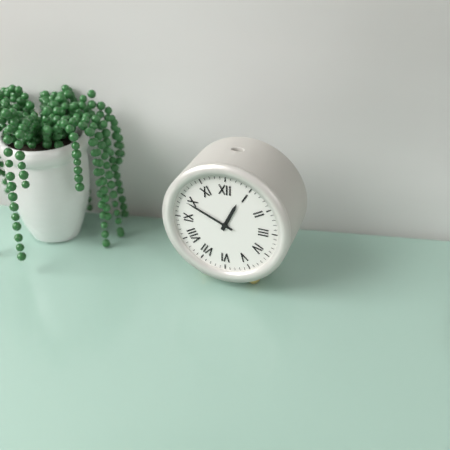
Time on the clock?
12:49
